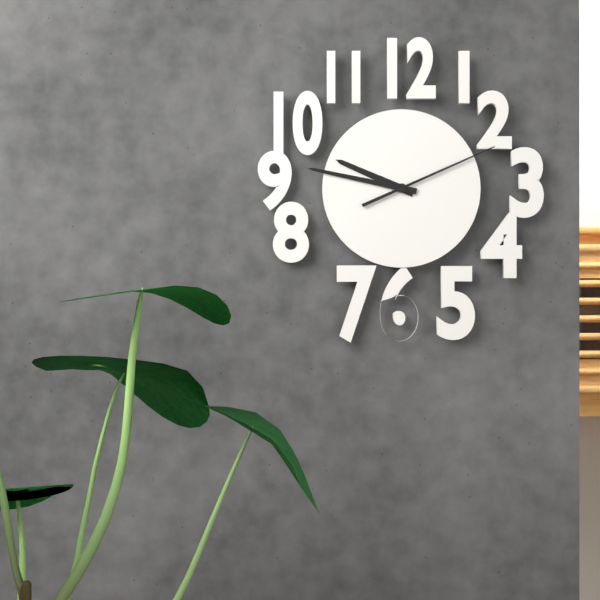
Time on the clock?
9:47:11
